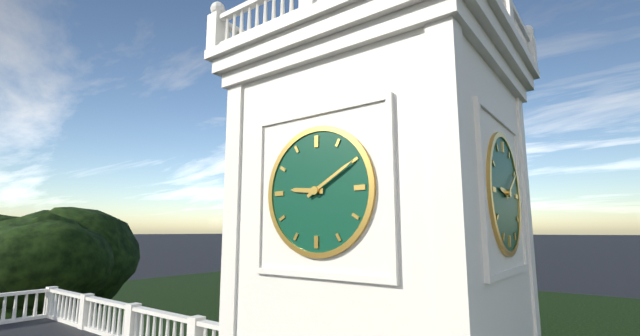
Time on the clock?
9:10
